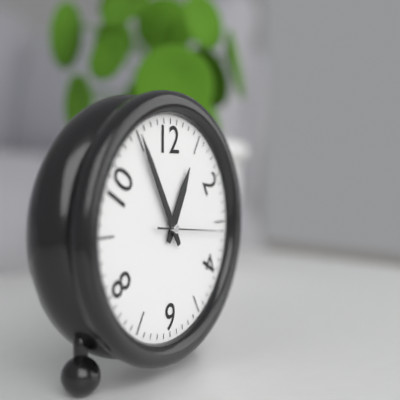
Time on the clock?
12:55:16
